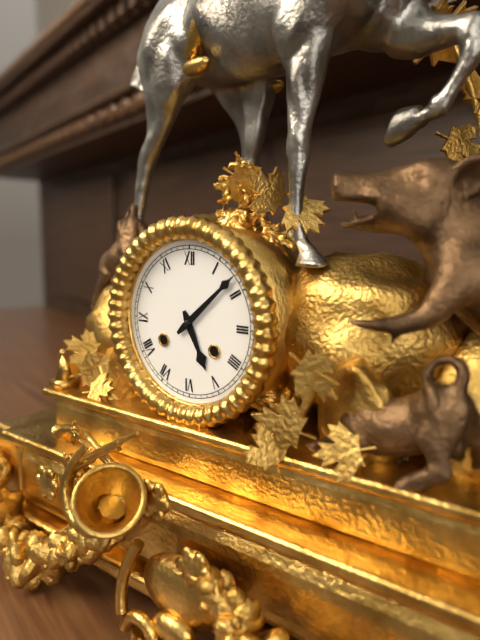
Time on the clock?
5:08
